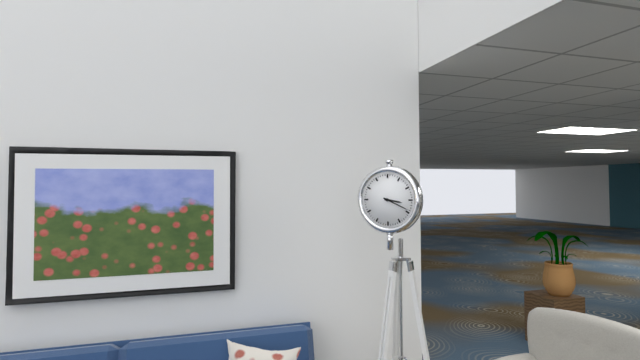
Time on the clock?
3:19
